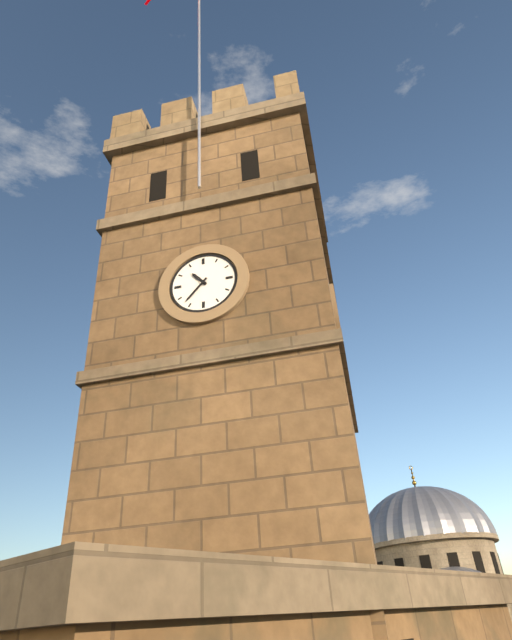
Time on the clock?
10:37
